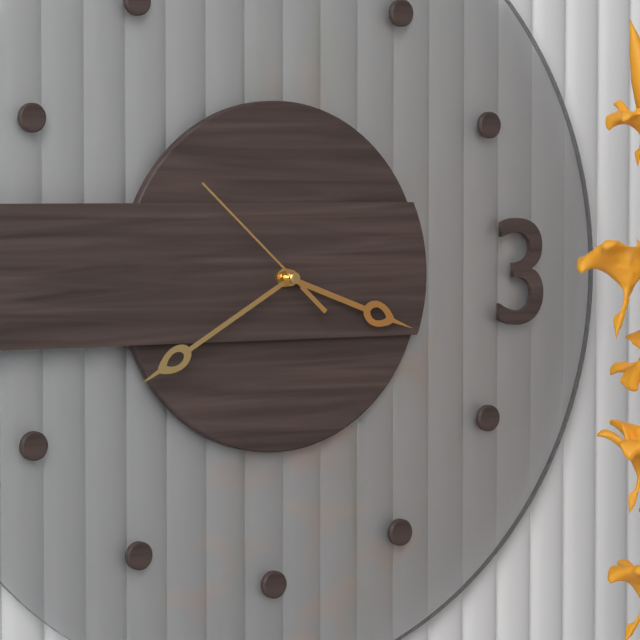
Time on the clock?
3:40:52
